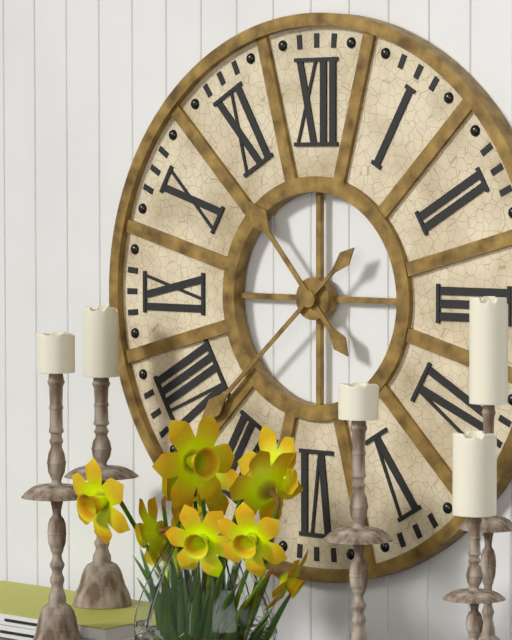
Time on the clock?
10:38
